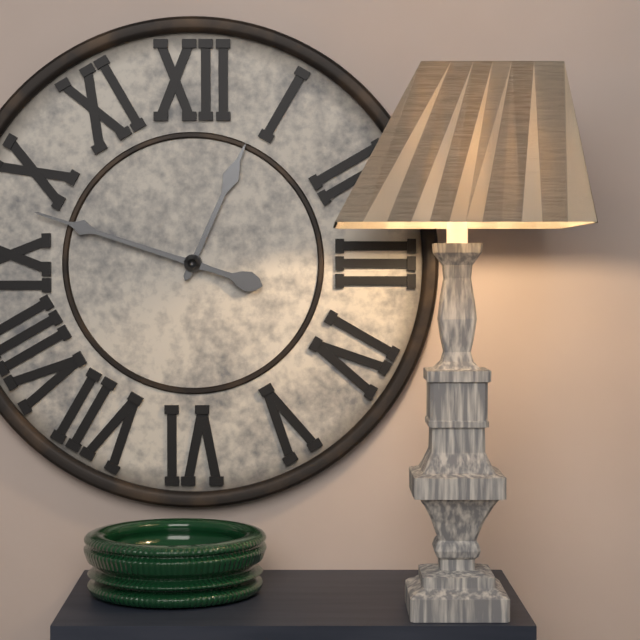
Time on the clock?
12:48
